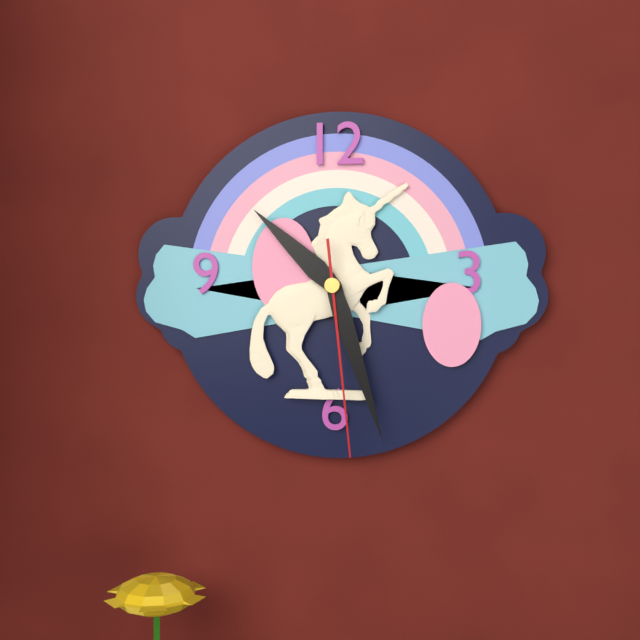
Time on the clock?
10:27:29
